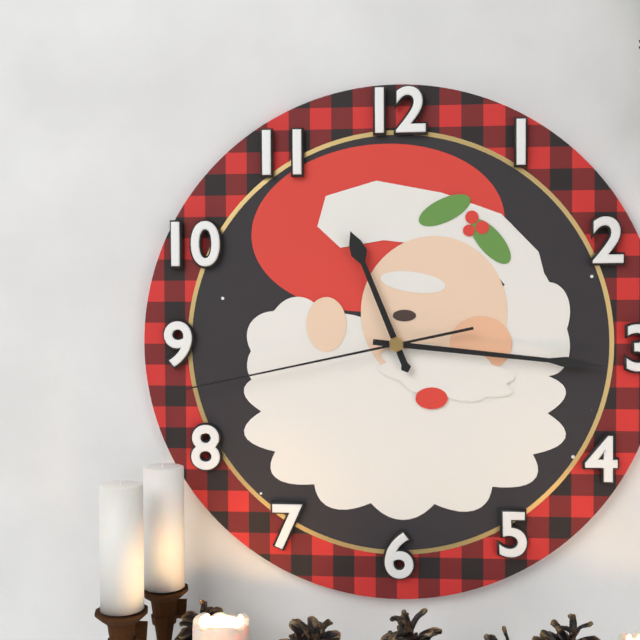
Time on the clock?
11:16:43
